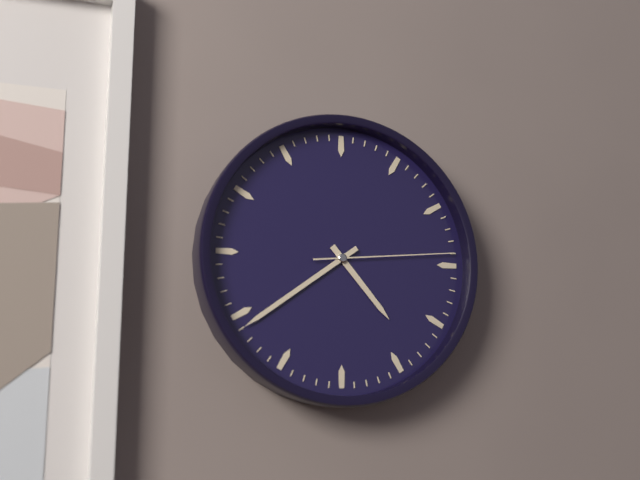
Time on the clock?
4:39:14
